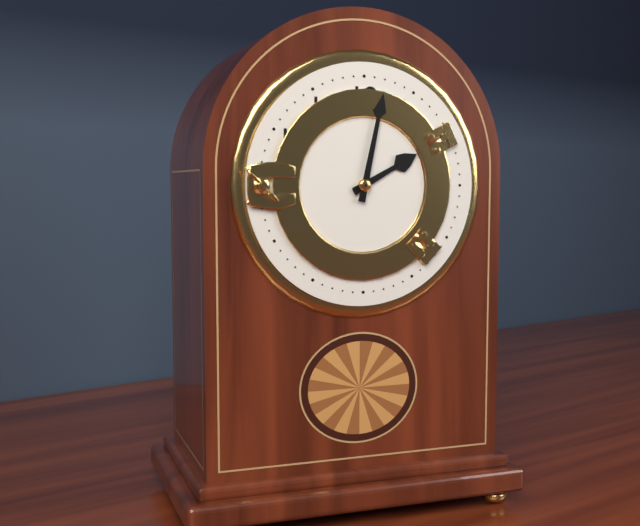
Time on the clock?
2:02
